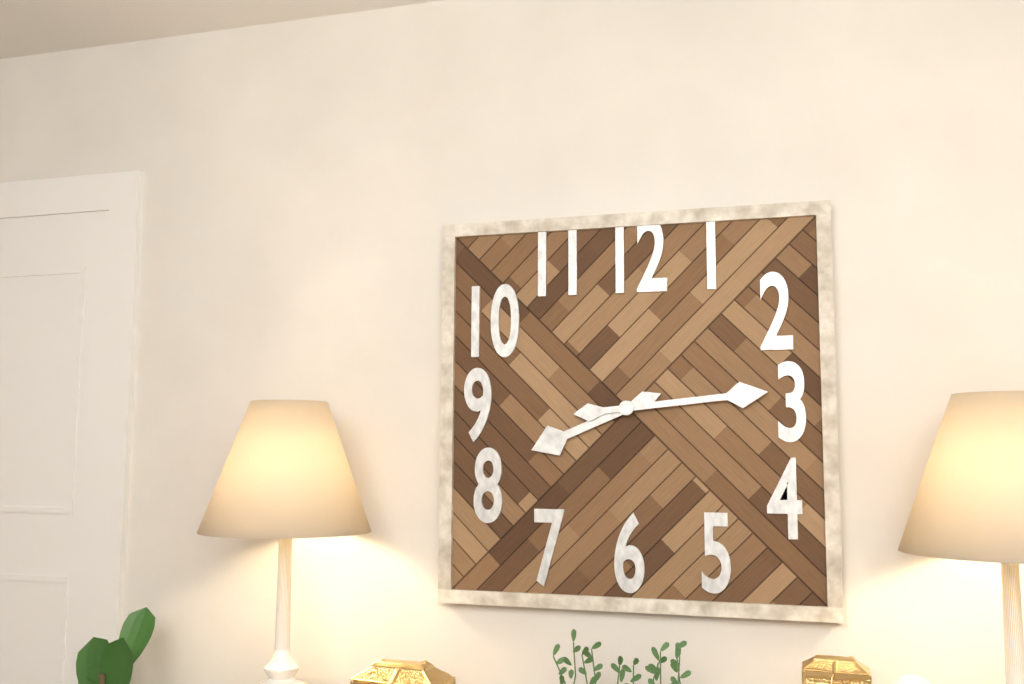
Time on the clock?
8:14
